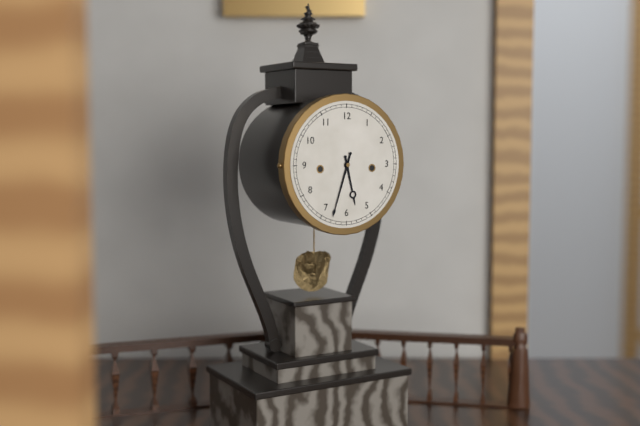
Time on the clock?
5:33
